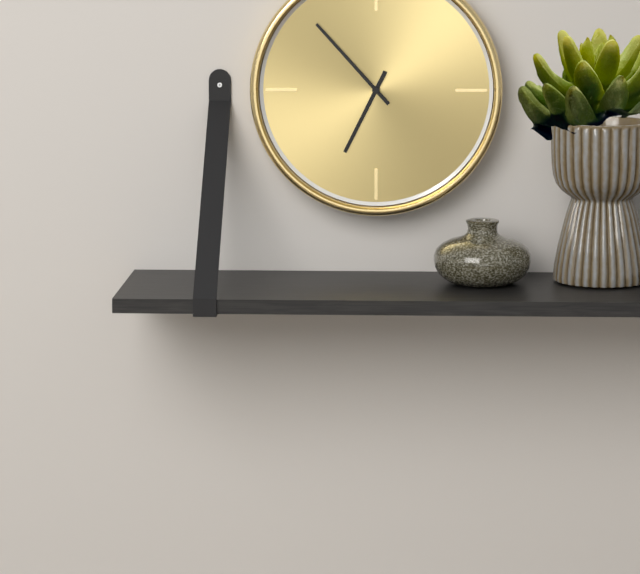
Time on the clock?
6:53
